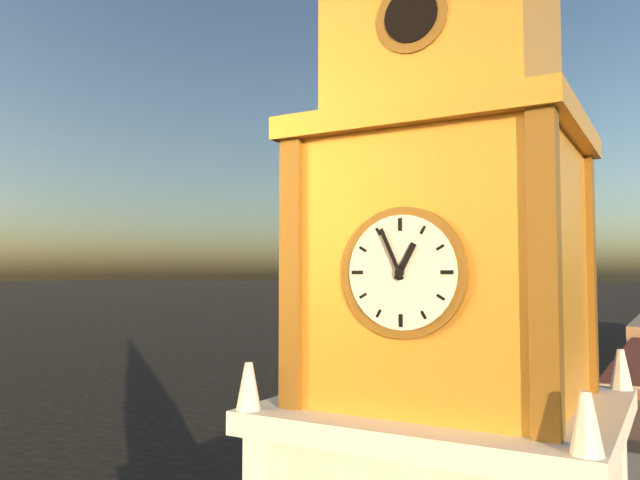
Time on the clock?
12:56
